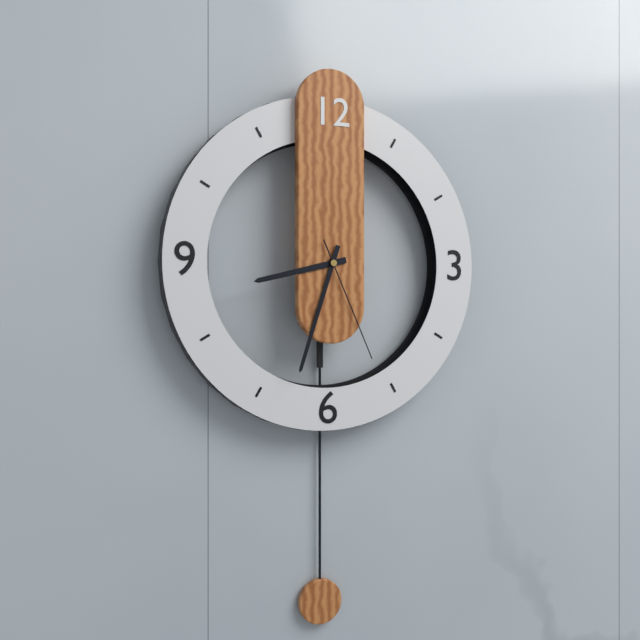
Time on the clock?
8:33:26
